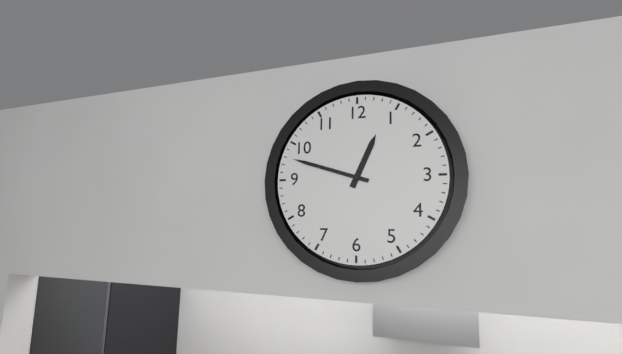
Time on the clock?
12:48
